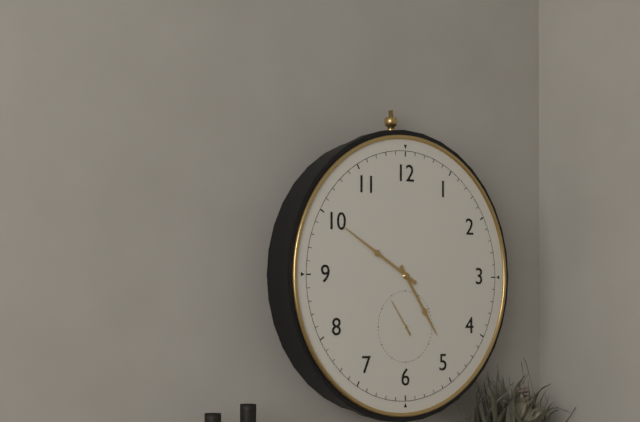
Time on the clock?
4:50
